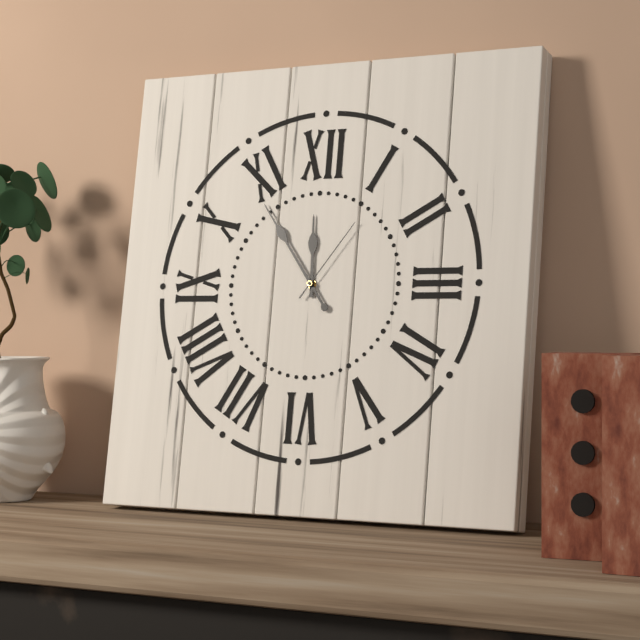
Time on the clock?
11:54:06
